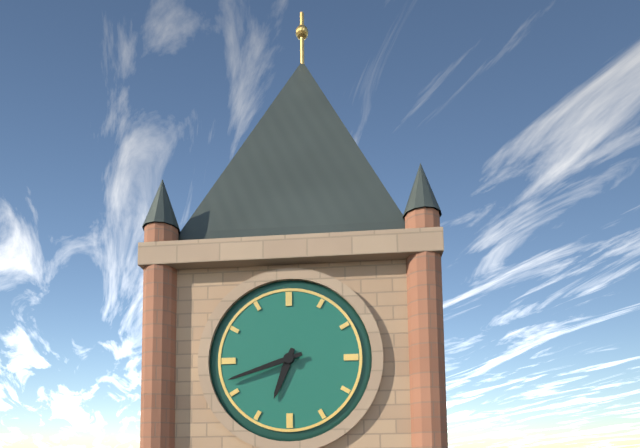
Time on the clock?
6:42
